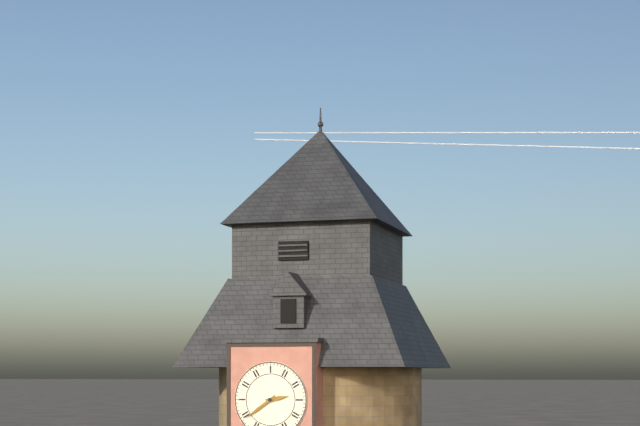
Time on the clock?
2:39
